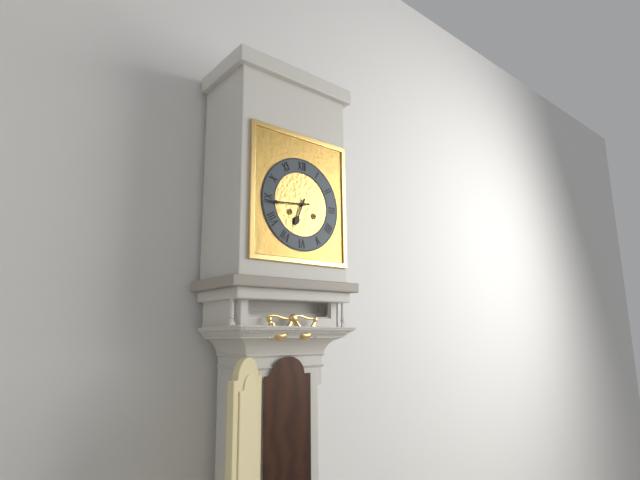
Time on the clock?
6:44
